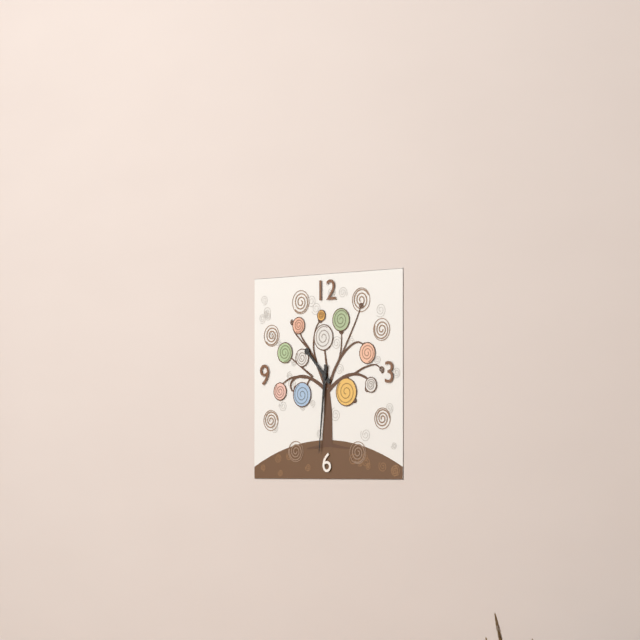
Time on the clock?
10:31
